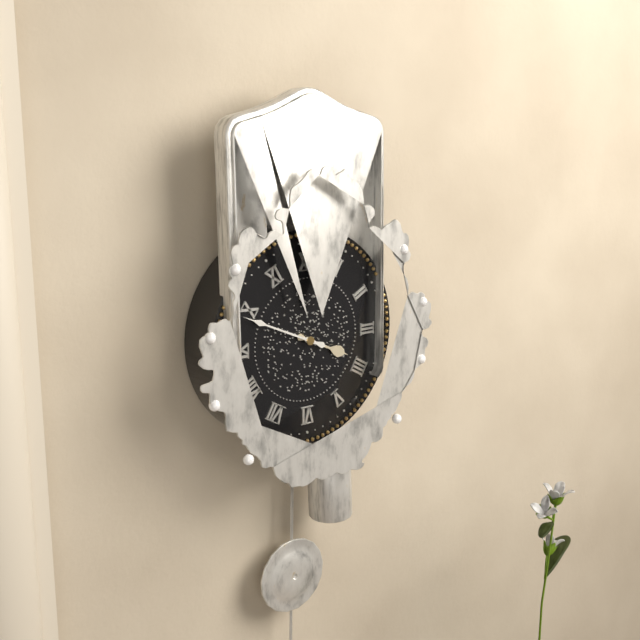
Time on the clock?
3:49
